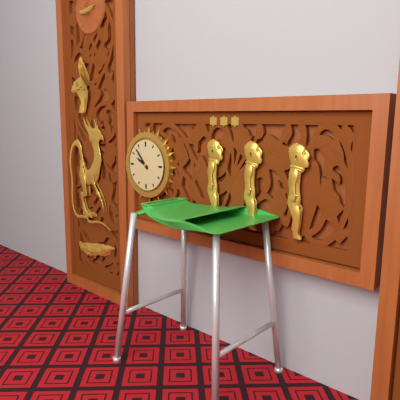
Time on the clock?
9:53
